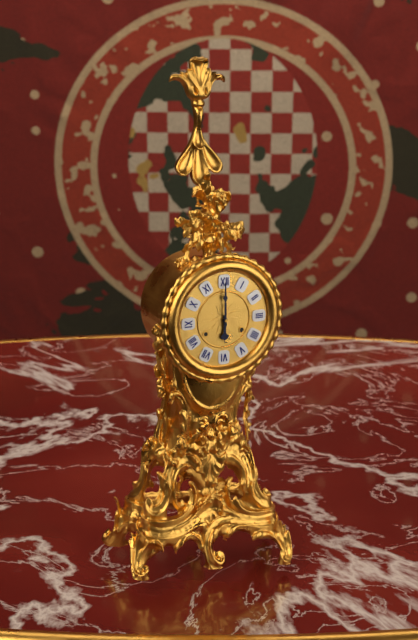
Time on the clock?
6:00
